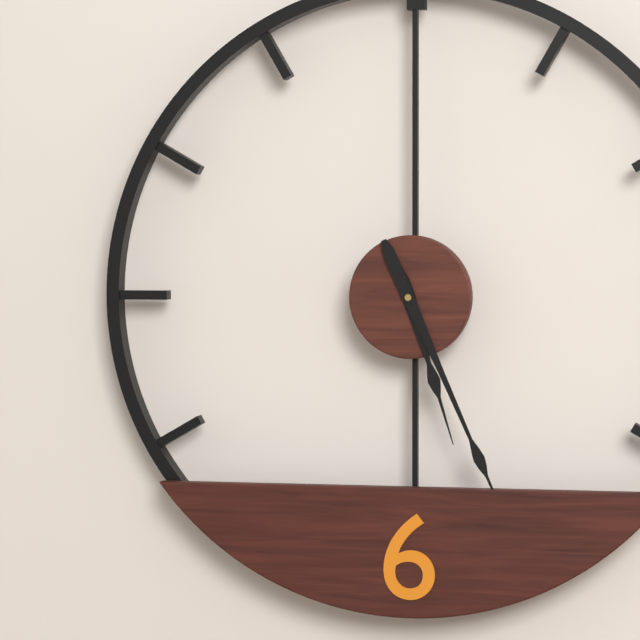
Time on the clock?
5:26
